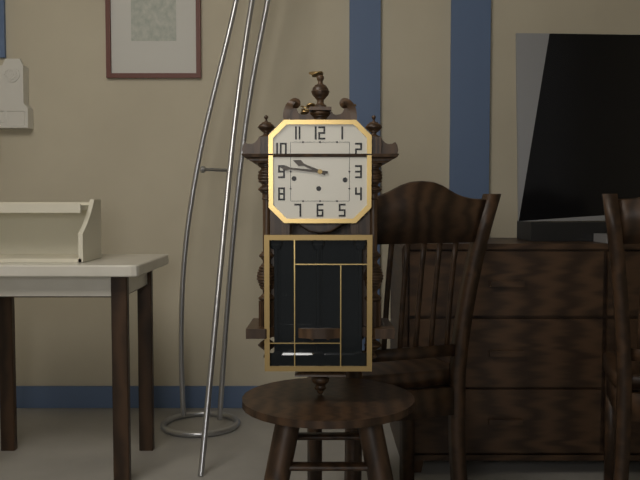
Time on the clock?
9:46
